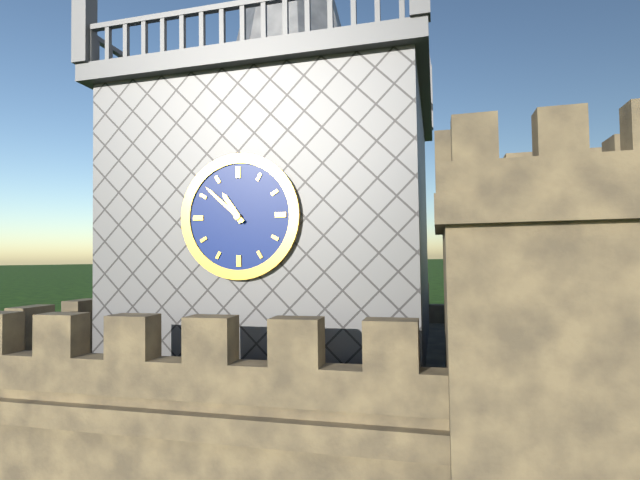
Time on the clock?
10:52
